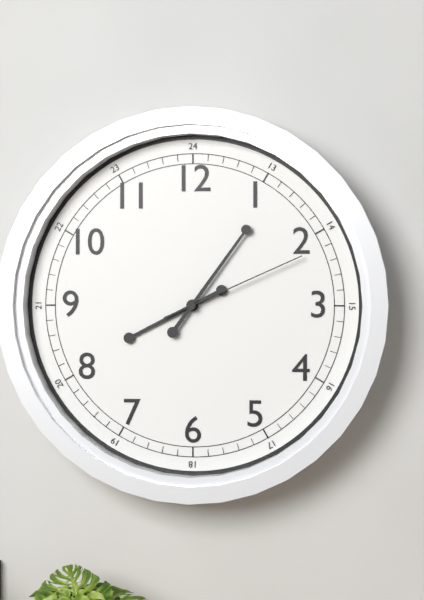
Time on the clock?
8:06:11
